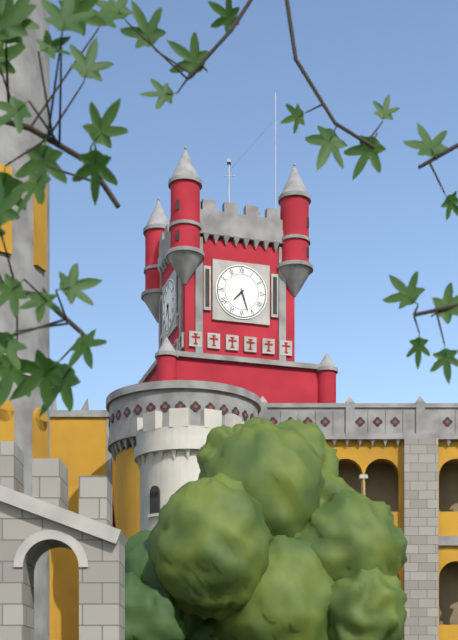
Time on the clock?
7:27
